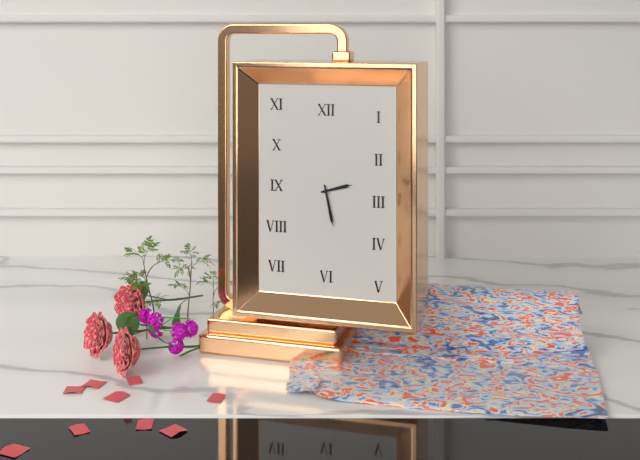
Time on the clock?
2:28
